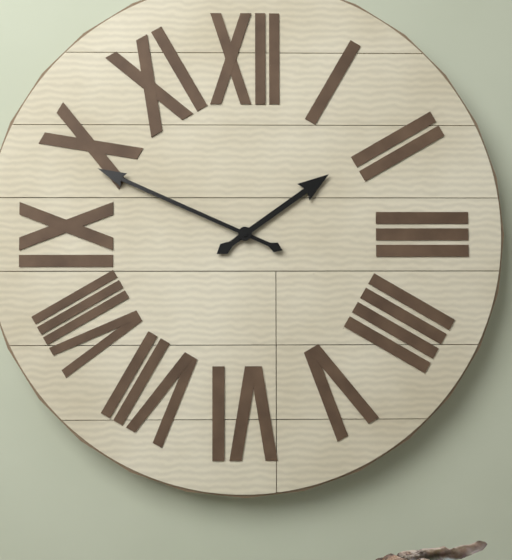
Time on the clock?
1:49
